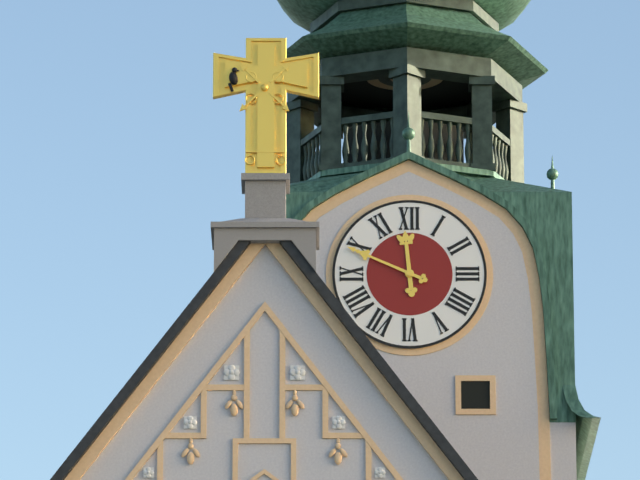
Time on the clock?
11:49
